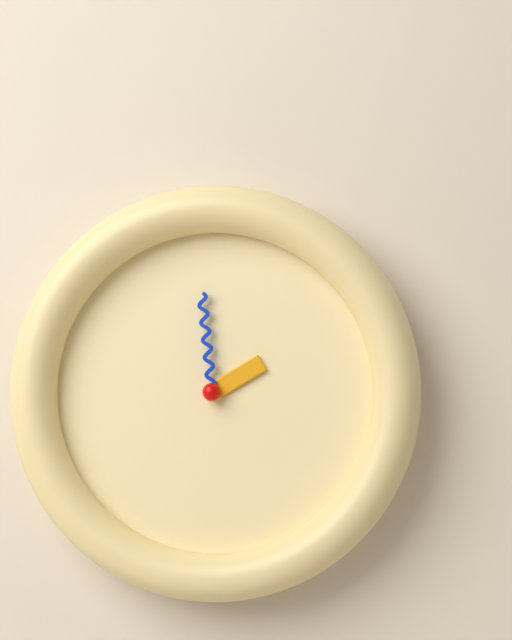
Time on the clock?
1:59
